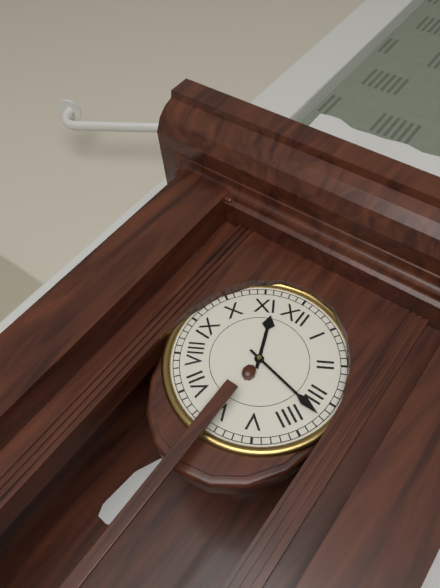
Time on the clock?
11:17
